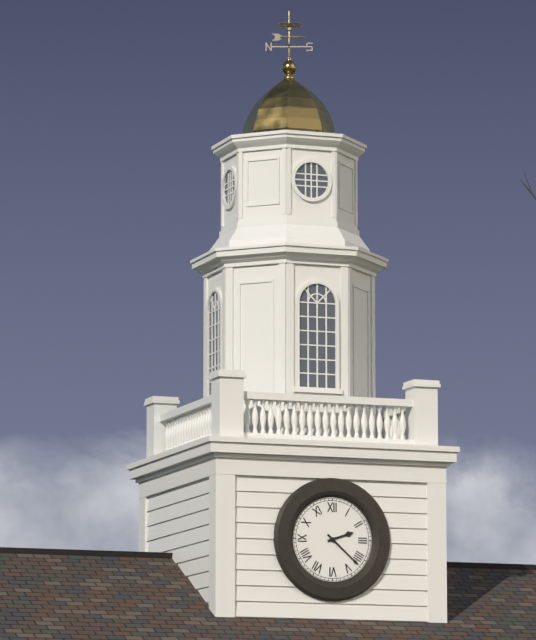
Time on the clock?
2:22
